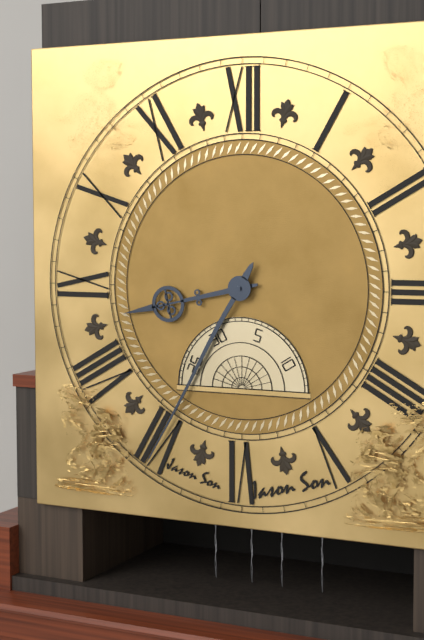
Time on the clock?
8:35
